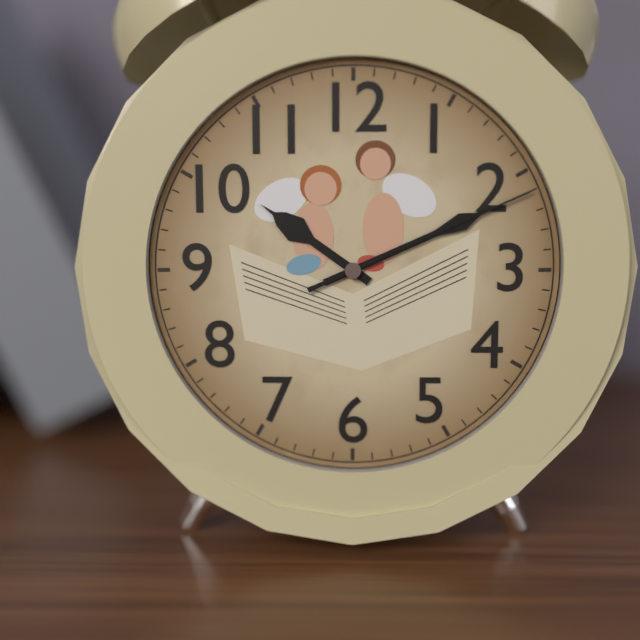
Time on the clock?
10:11:11
